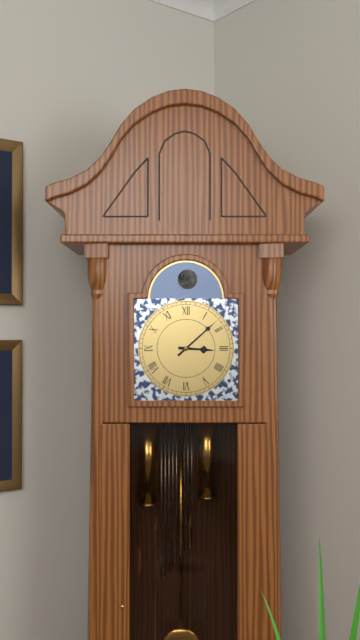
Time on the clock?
3:08
